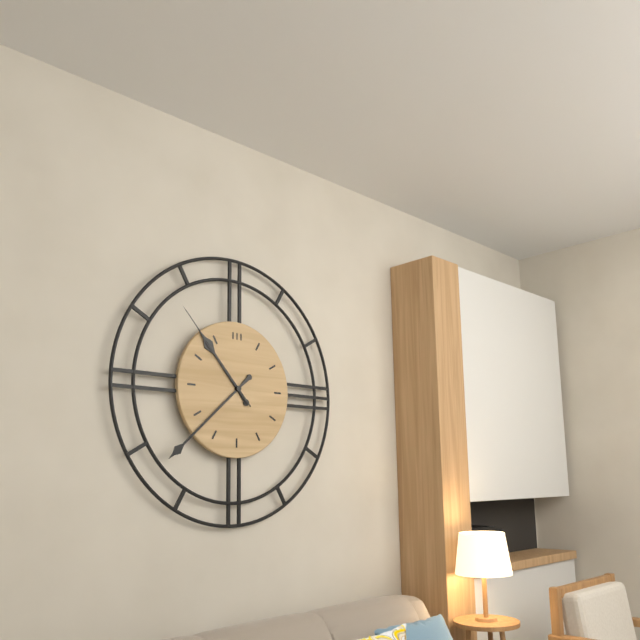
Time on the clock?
10:38:53
